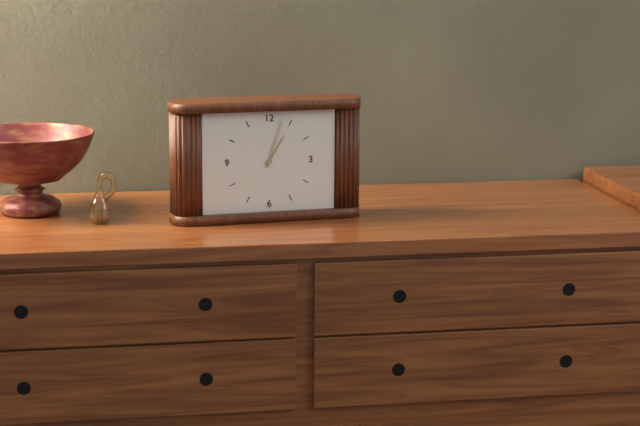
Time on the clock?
1:03
